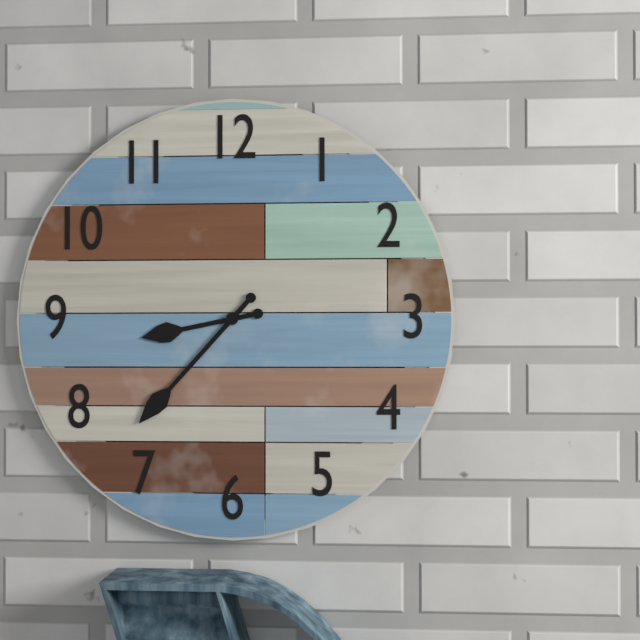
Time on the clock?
8:37
